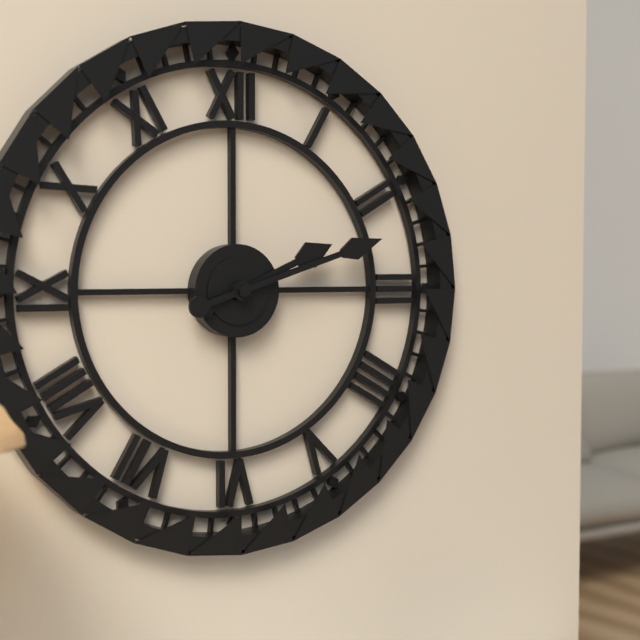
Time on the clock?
2:12
